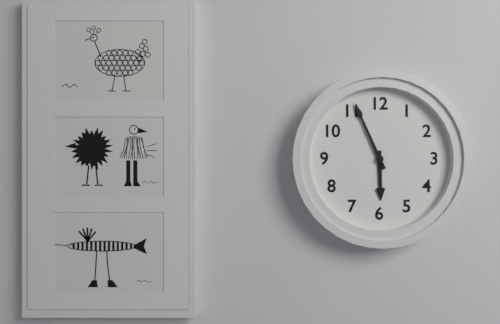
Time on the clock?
5:56
